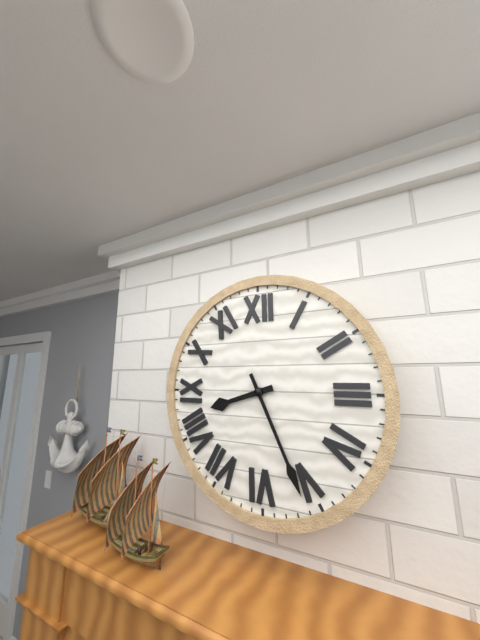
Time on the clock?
8:26
